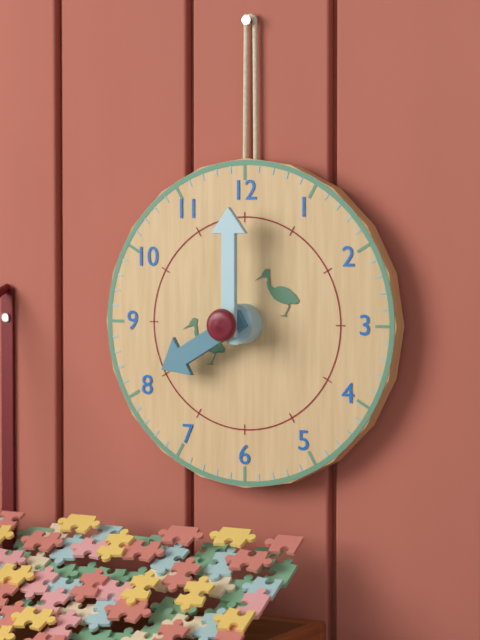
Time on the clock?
8:00
